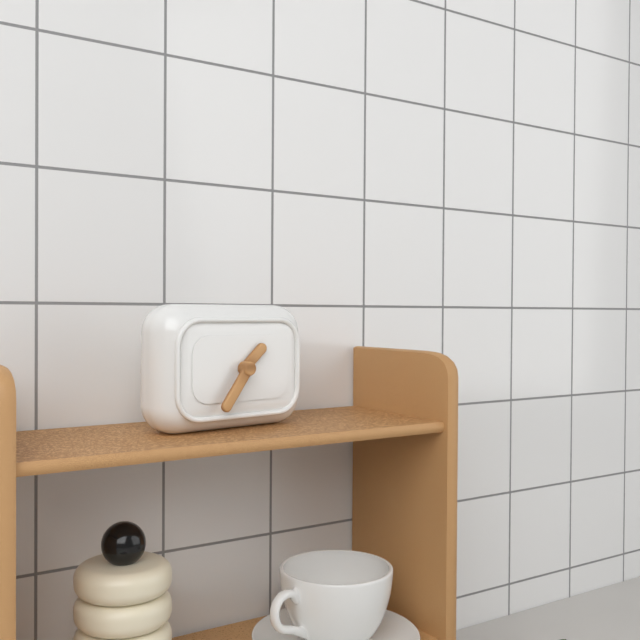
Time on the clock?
1:36
